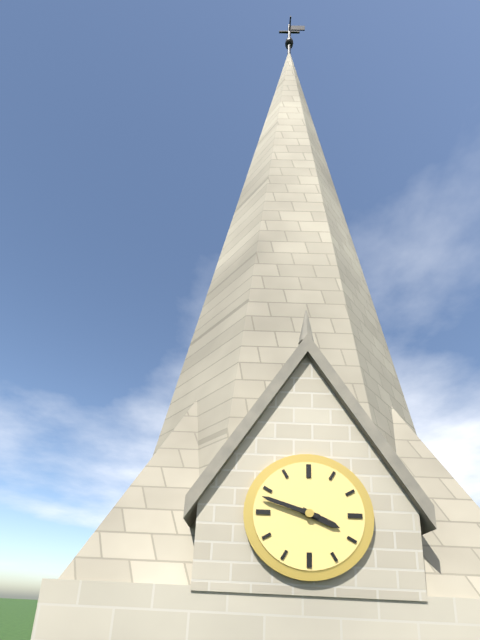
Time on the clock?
3:48
